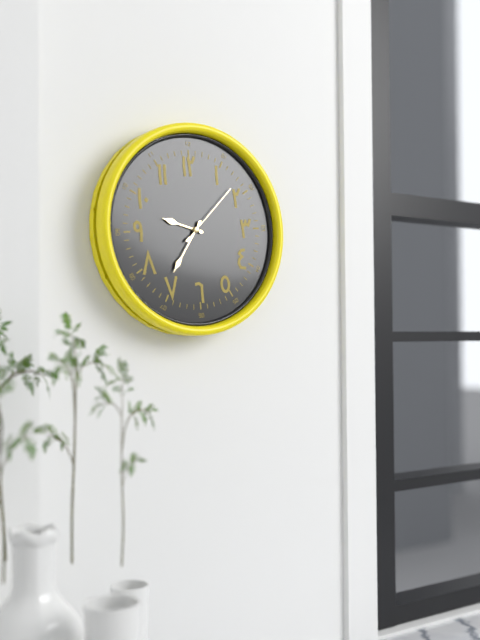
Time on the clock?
9:36:08
